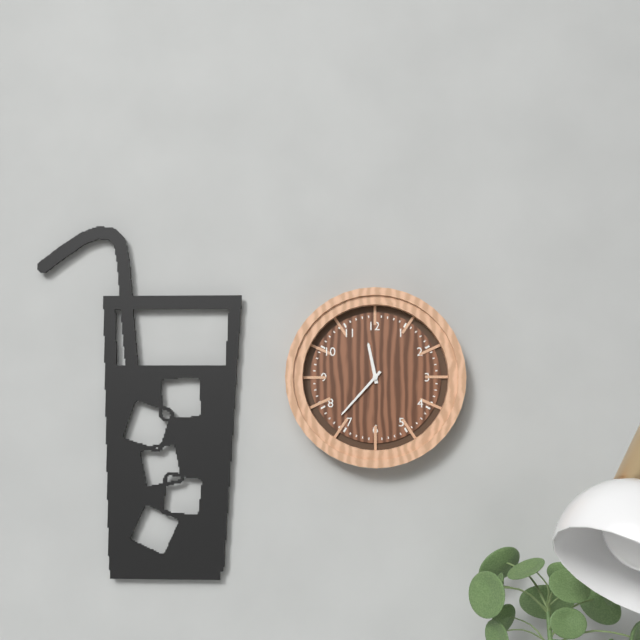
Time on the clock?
11:37
